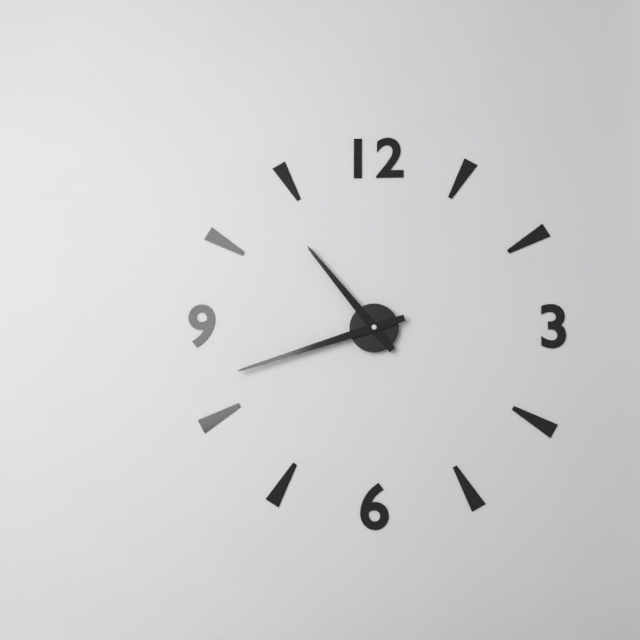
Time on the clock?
10:42
